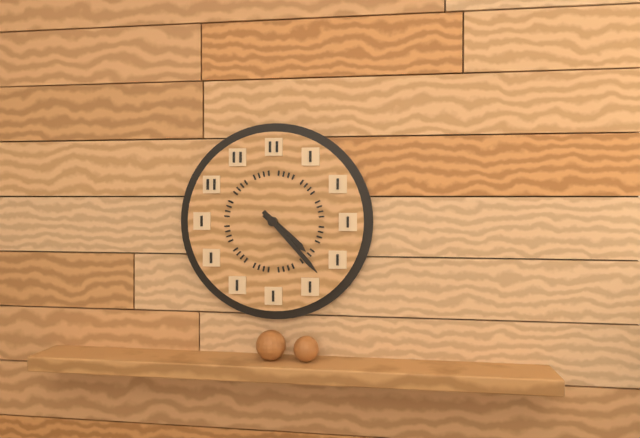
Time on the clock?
4:23
